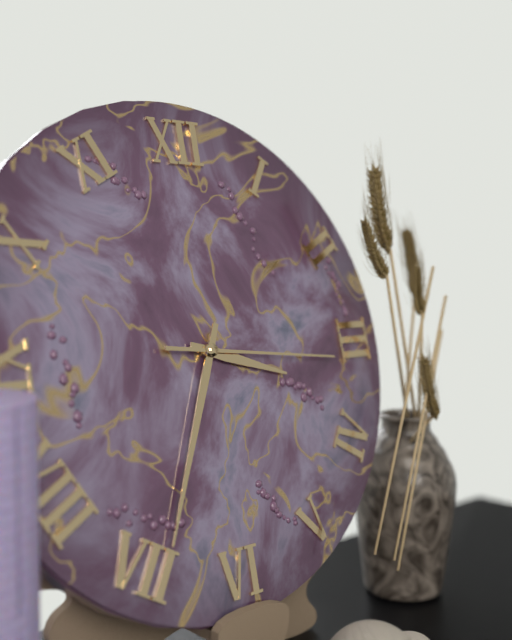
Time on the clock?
3:34:16
